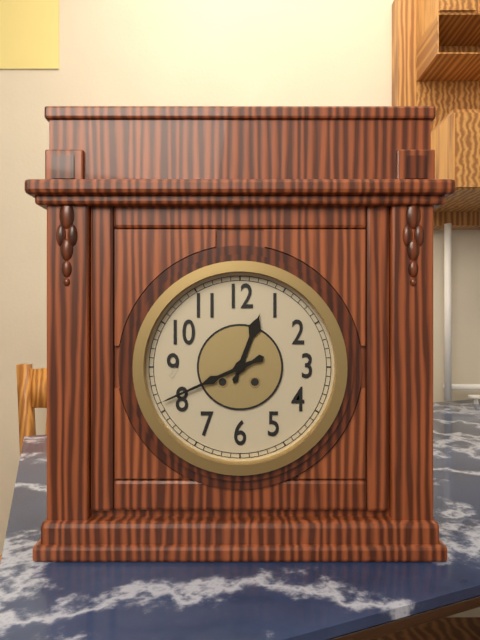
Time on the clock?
12:41
